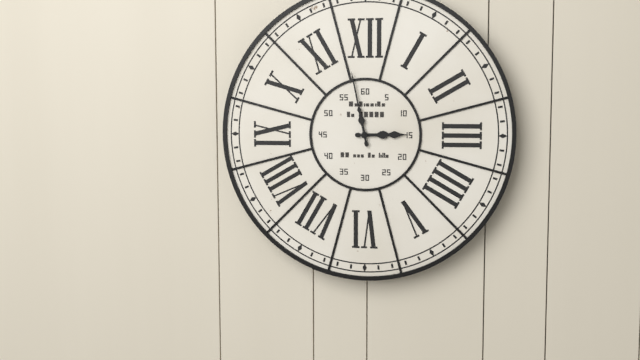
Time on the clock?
2:58
